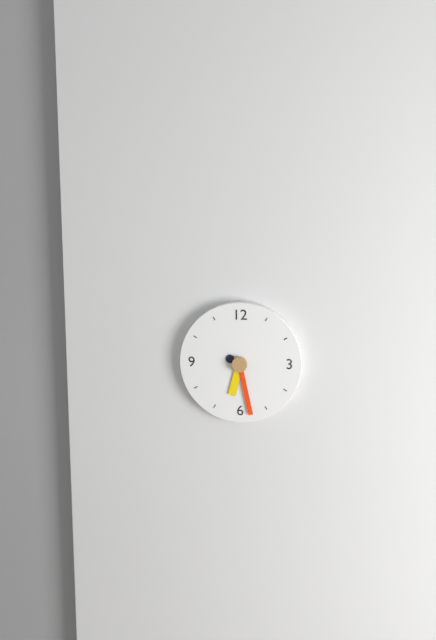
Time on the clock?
6:28
